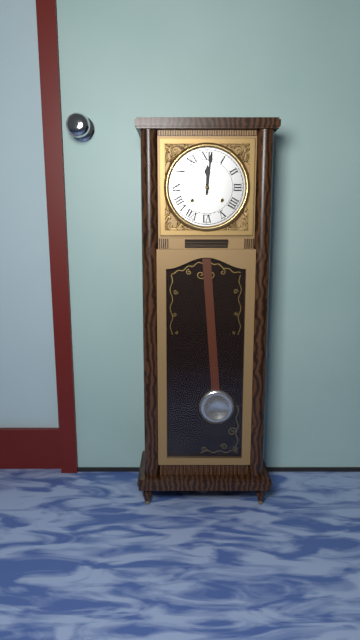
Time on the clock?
12:01
